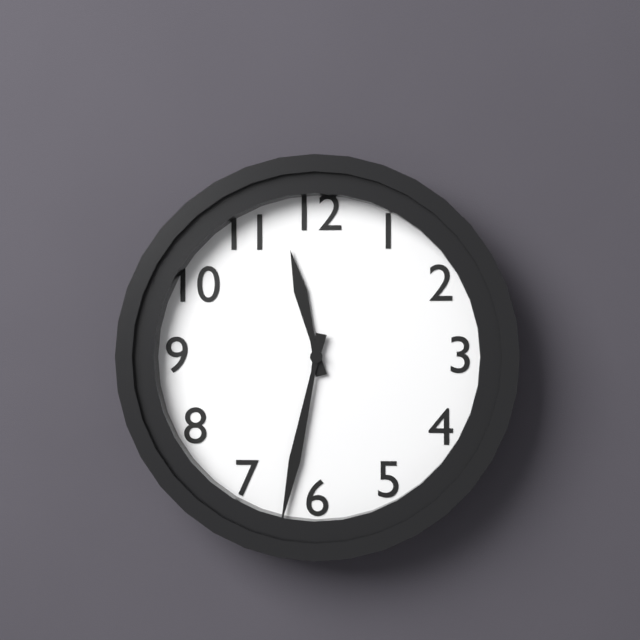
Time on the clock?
11:32
